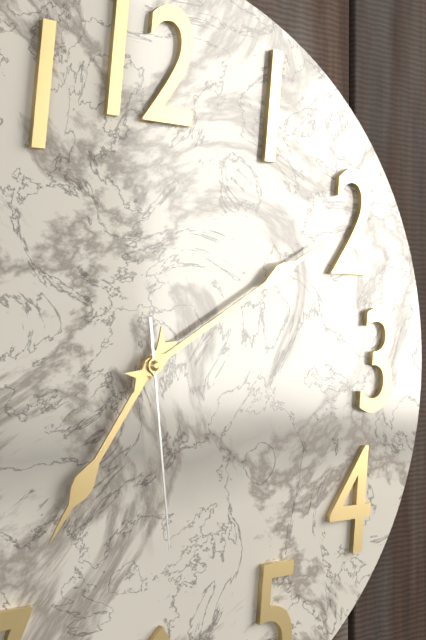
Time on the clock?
7:10:29
